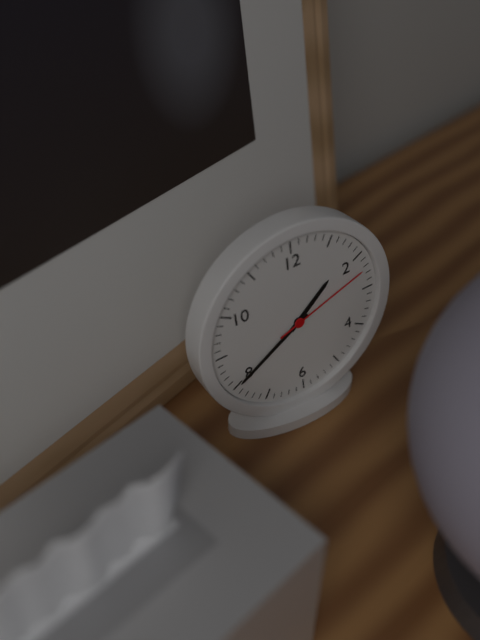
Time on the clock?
1:40:12
